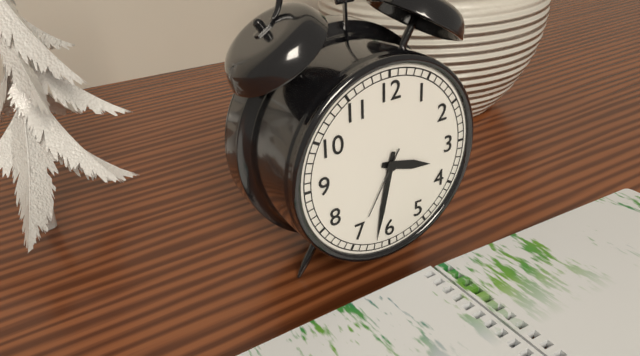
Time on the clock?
3:32:35
